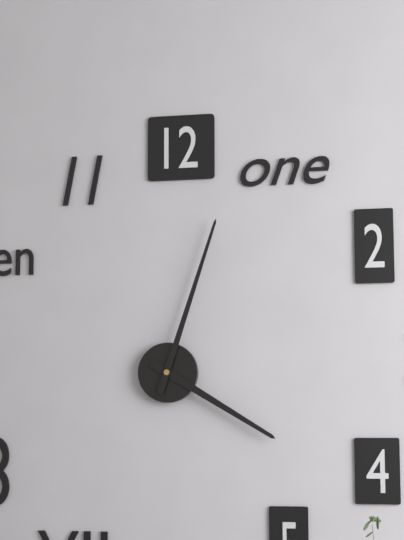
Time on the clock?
4:03
